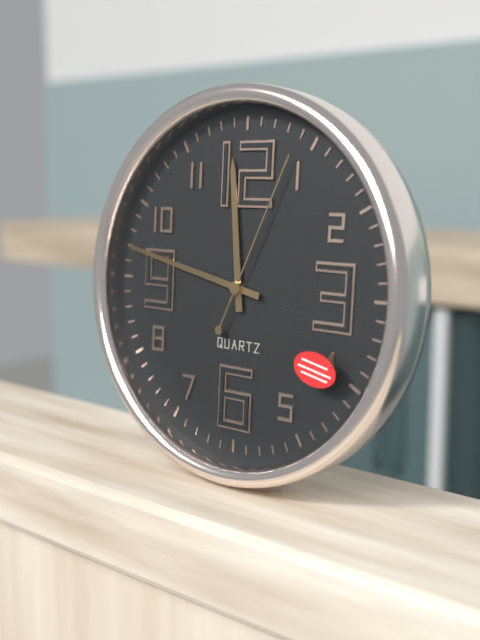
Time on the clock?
11:47:04
